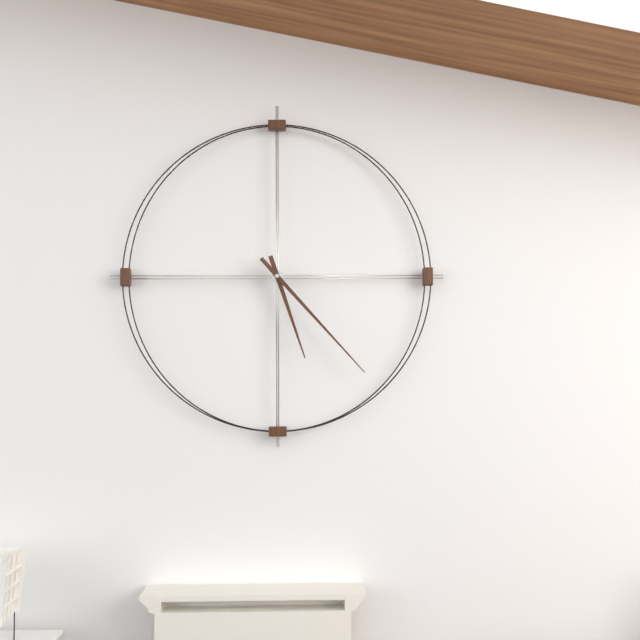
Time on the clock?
5:23
